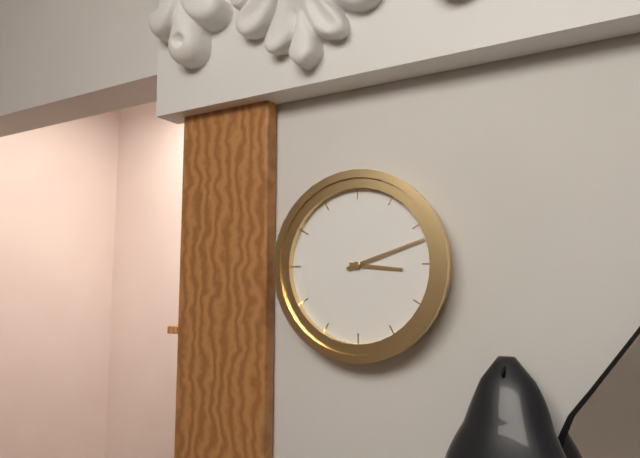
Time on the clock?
3:12
